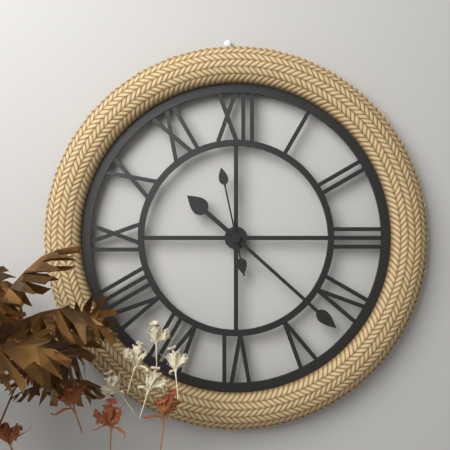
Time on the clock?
10:22:58
